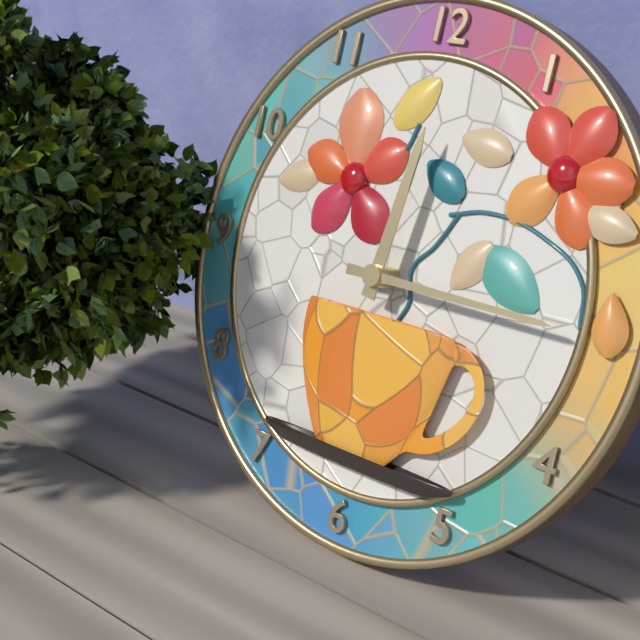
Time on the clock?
12:15
